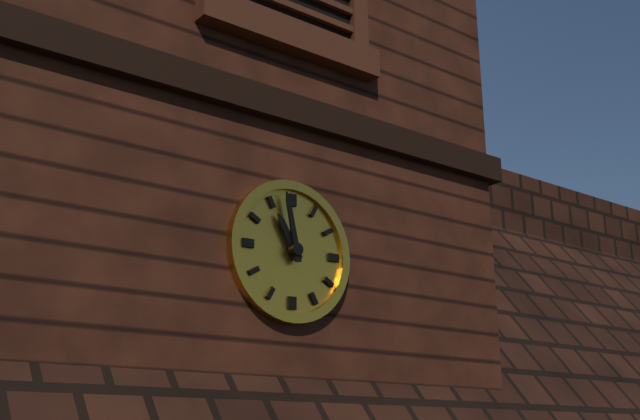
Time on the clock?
10:58
